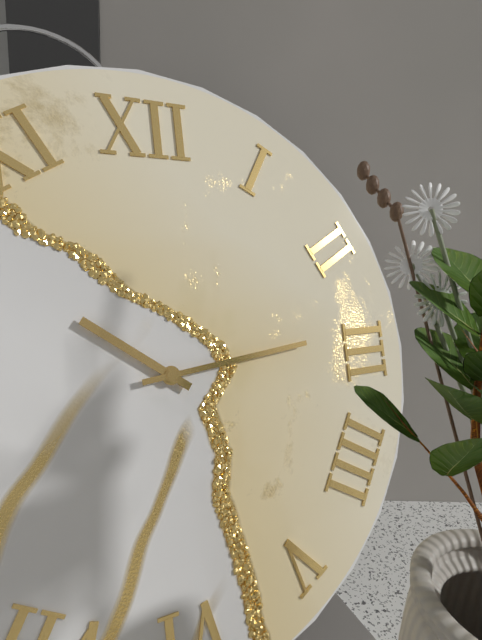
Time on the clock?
10:14
